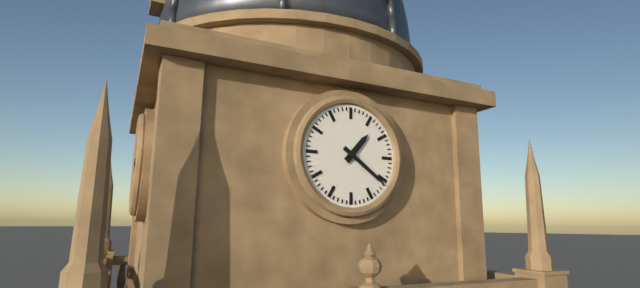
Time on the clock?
1:21
